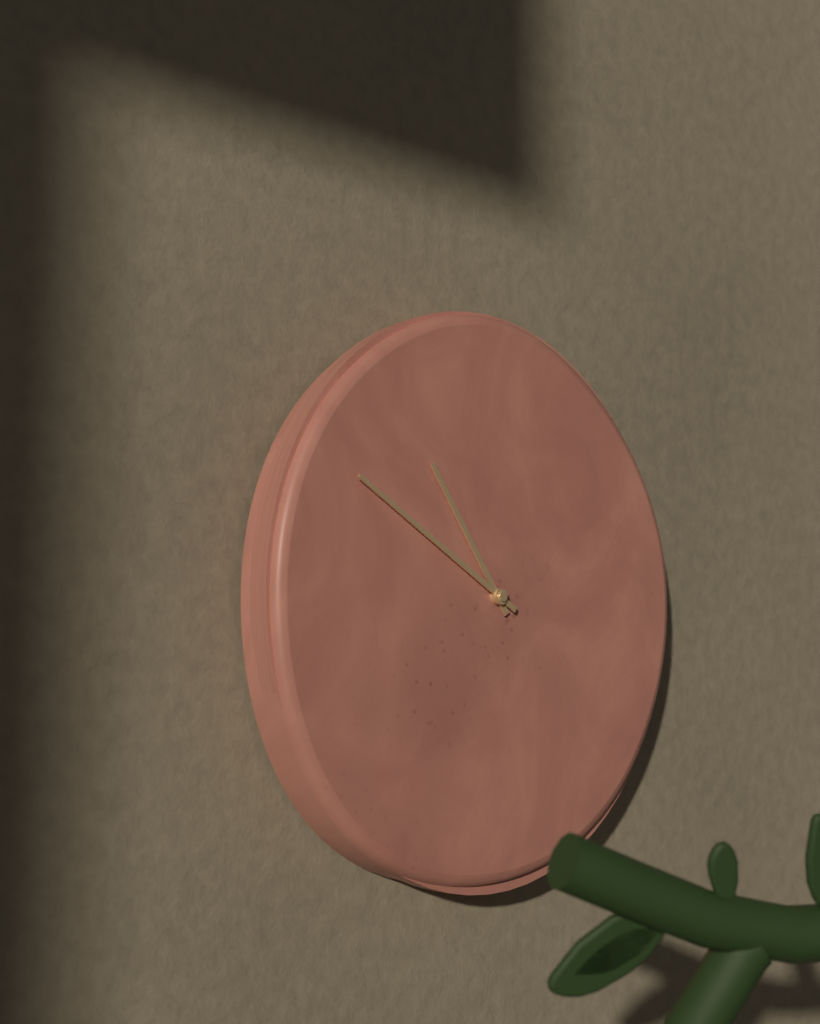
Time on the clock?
10:50
